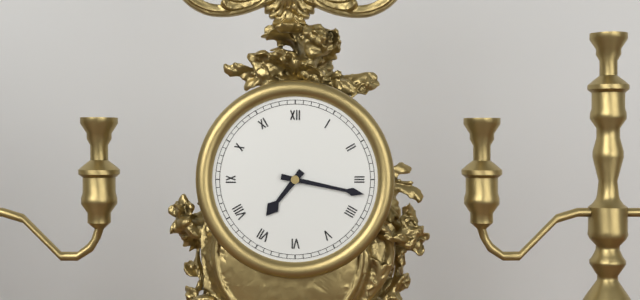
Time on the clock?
7:17
